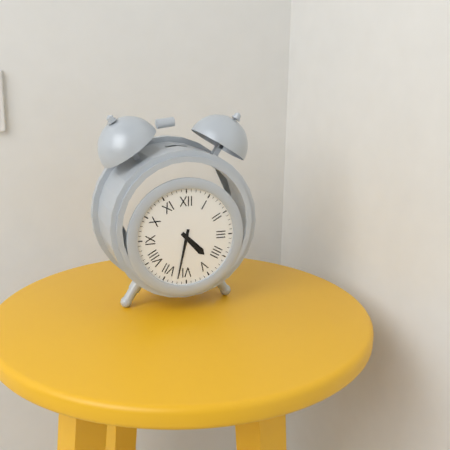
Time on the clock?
4:32
